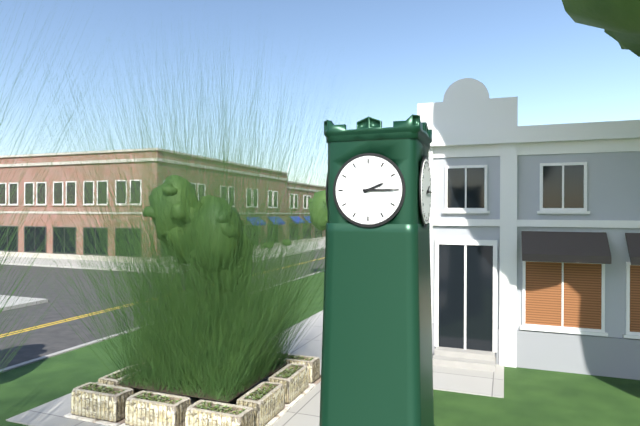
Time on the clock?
2:15
